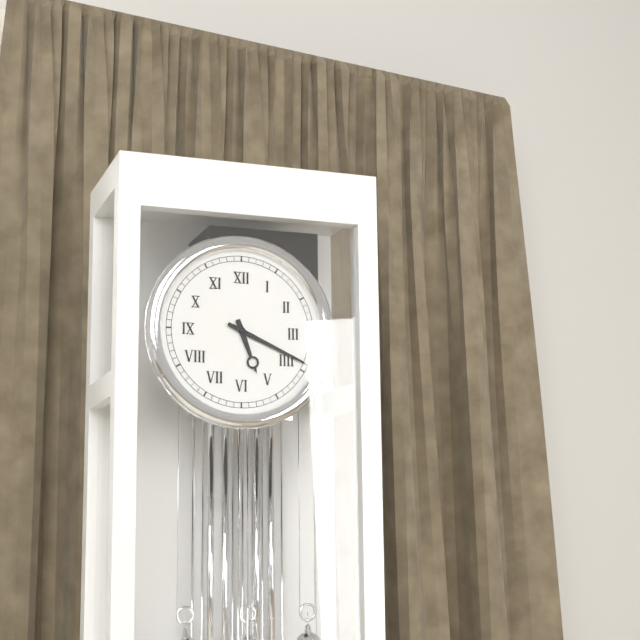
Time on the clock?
5:19
